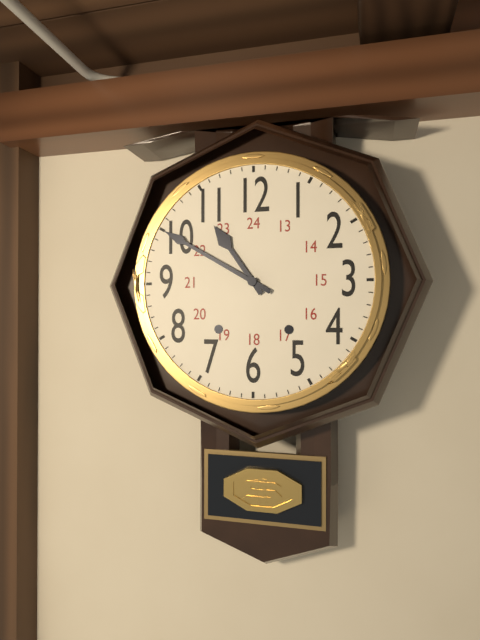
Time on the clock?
10:50
